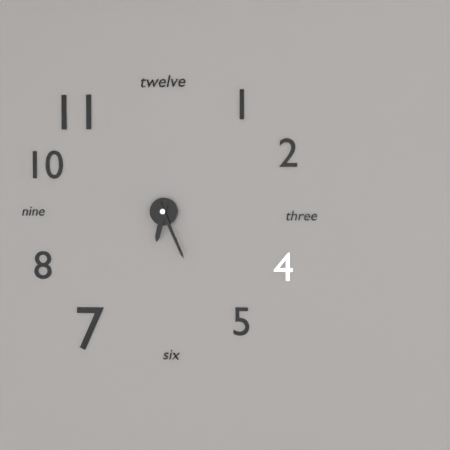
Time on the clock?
6:26
